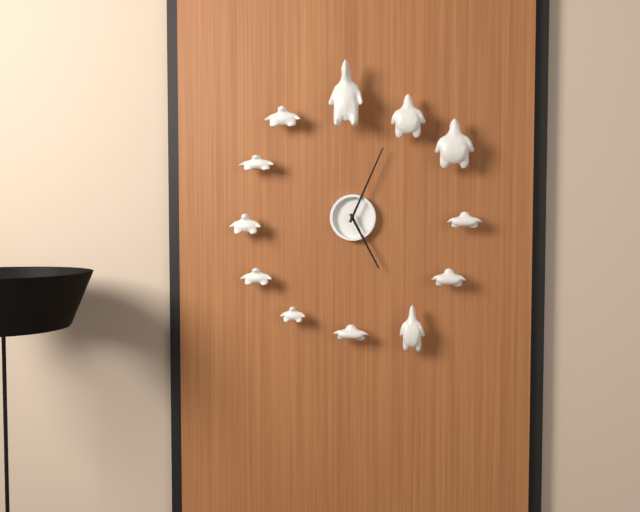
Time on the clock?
5:04
